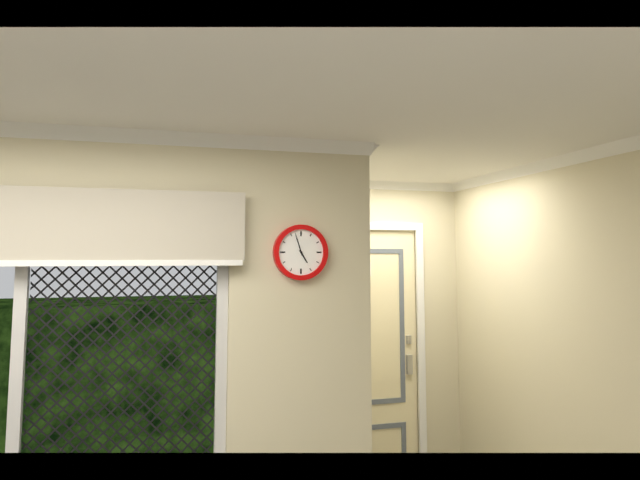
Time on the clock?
4:57
